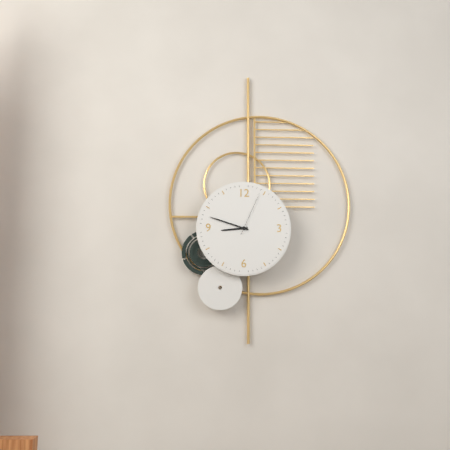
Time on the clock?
8:48
